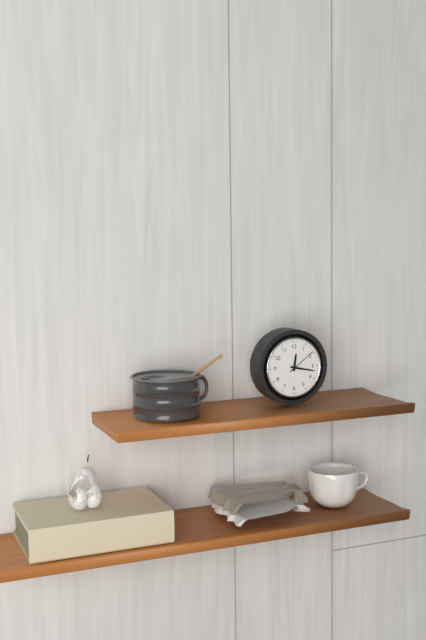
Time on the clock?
12:17
